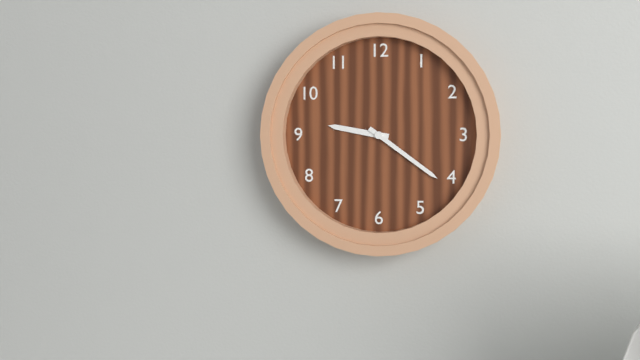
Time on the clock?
9:21
